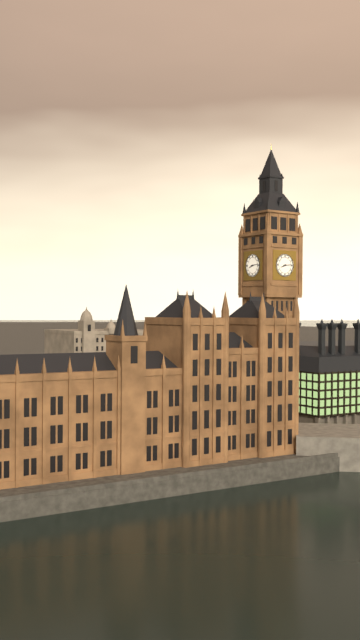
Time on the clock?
8:14
